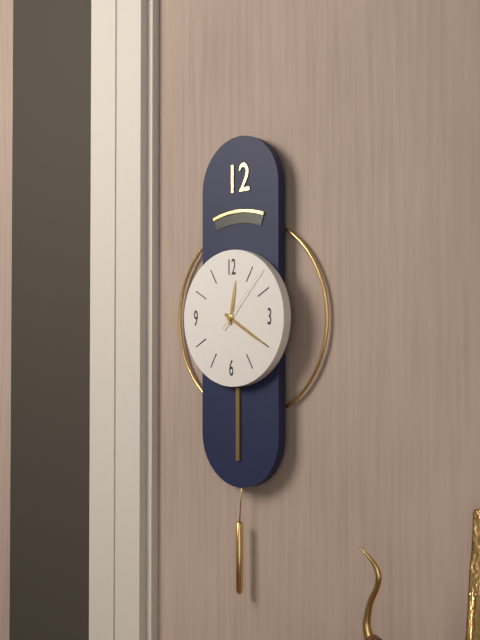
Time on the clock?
12:20:07
